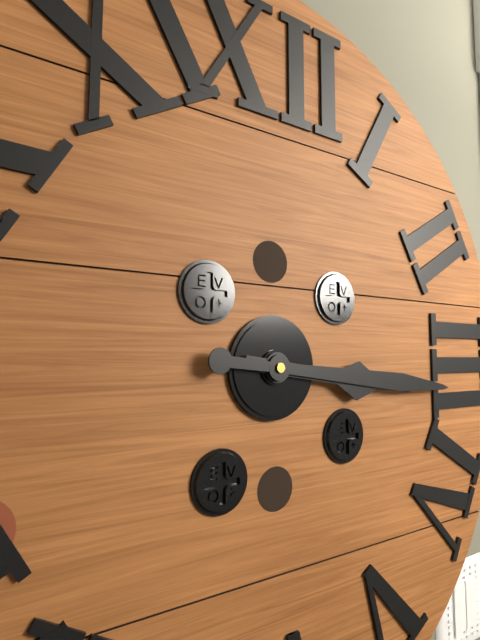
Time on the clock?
3:16
